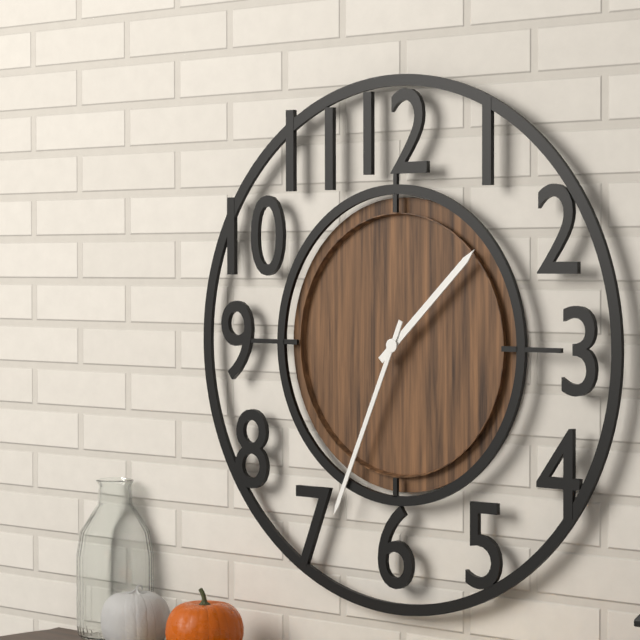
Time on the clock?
1:34
